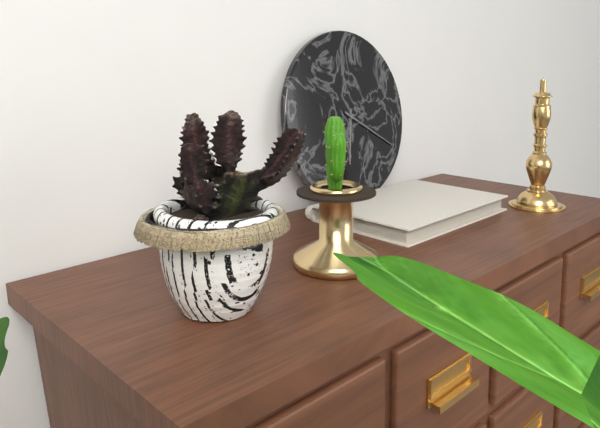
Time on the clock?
6:20
